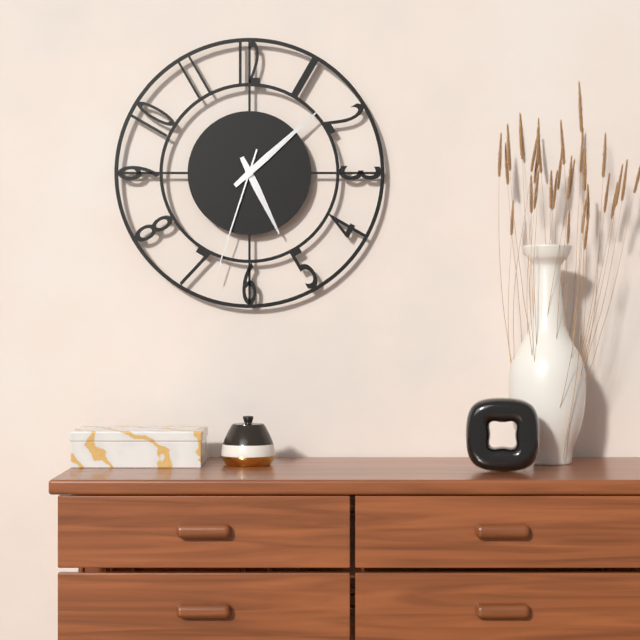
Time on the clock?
5:08:33
